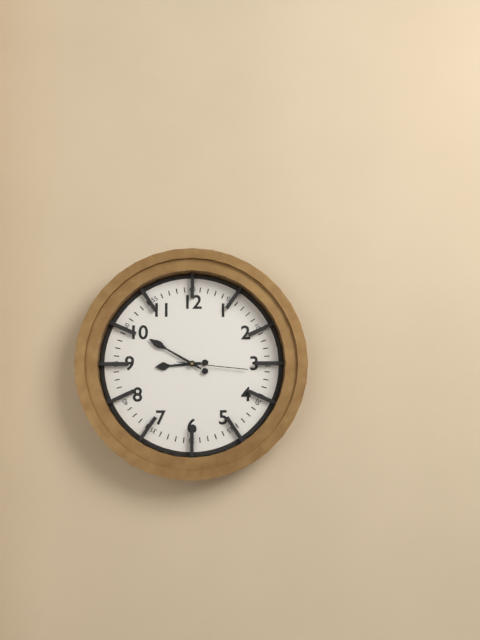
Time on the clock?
8:50:16
